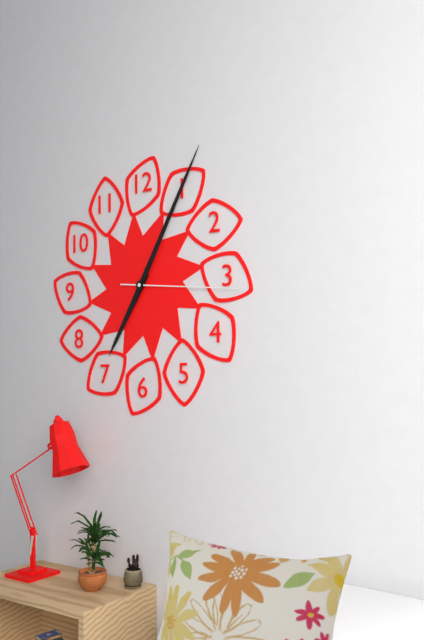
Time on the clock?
7:05:16
